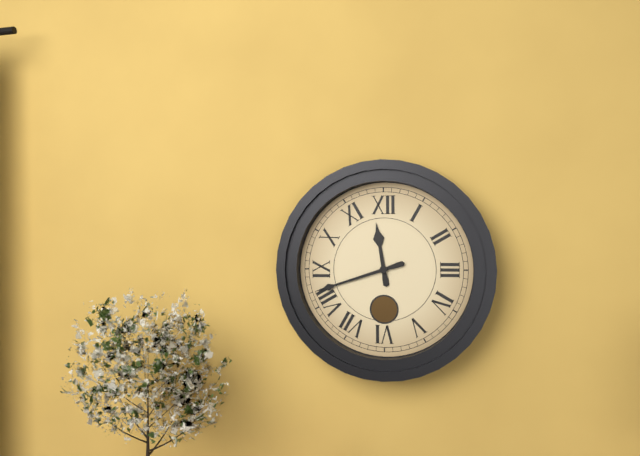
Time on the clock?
11:42
